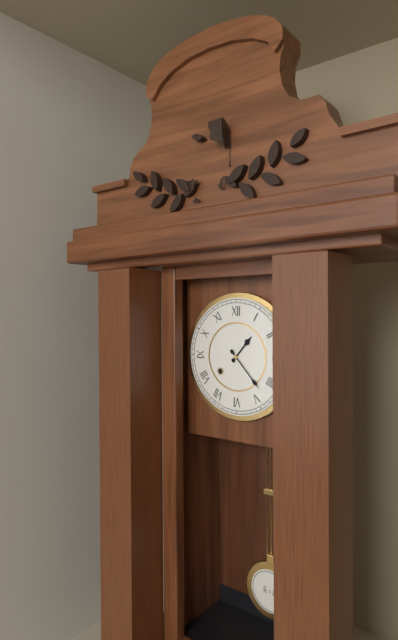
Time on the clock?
1:23
